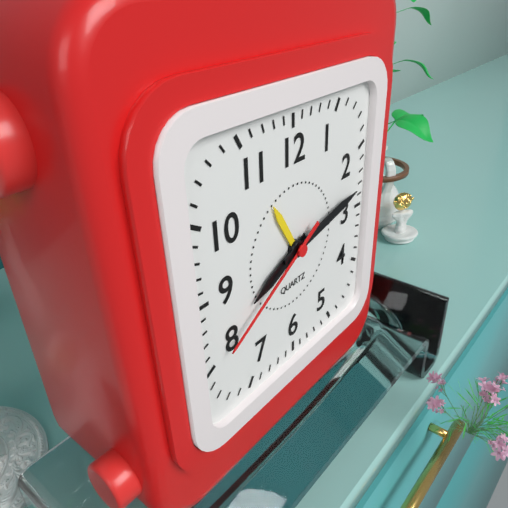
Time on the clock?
8:13:40
